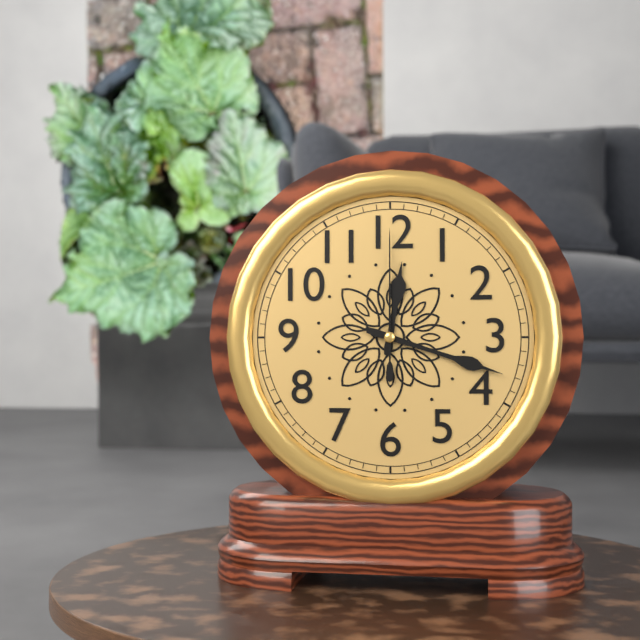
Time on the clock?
12:18:00
